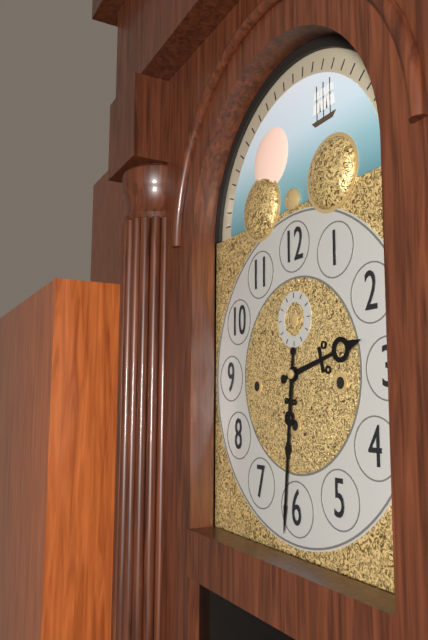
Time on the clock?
2:31
